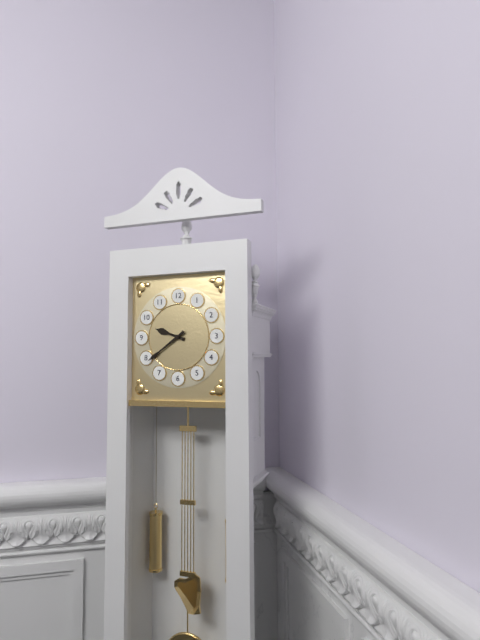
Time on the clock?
9:39
